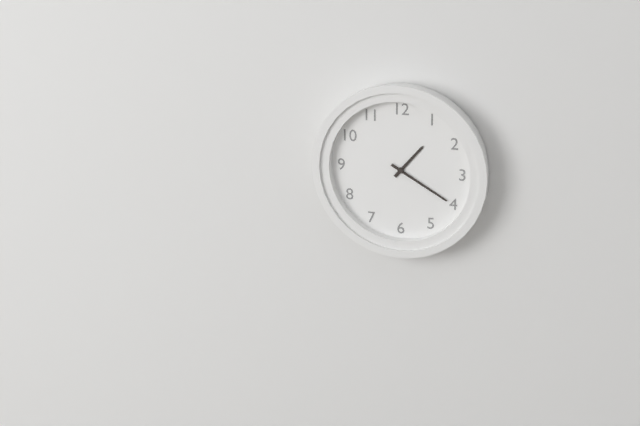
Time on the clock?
1:20
